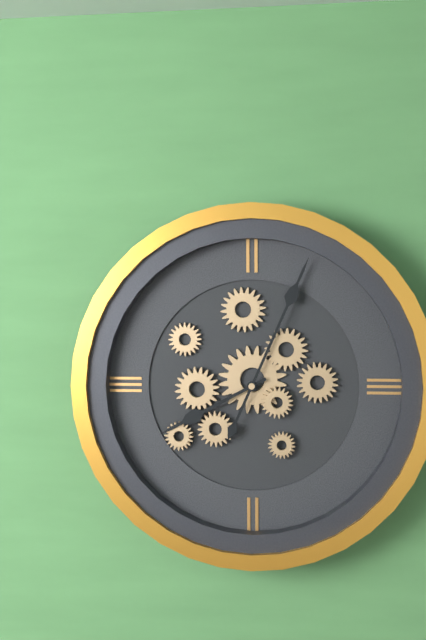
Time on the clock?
8:04
